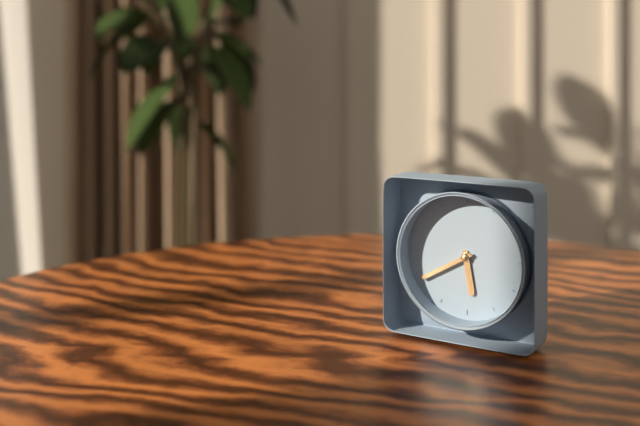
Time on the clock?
5:40
